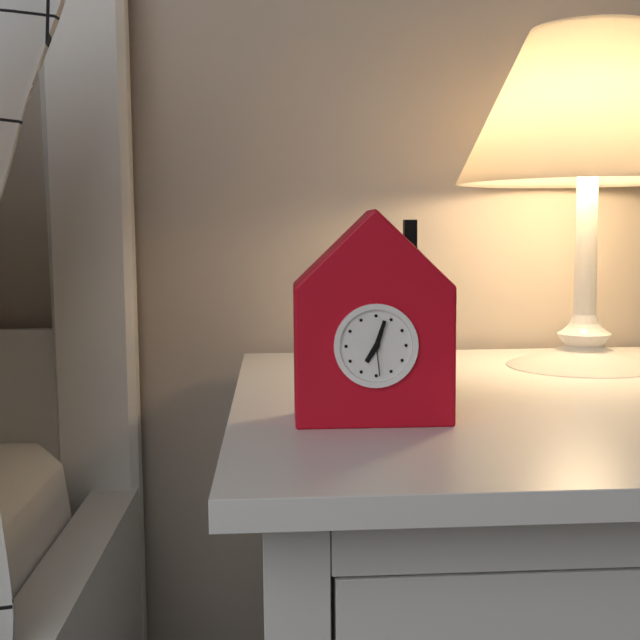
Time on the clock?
7:03
